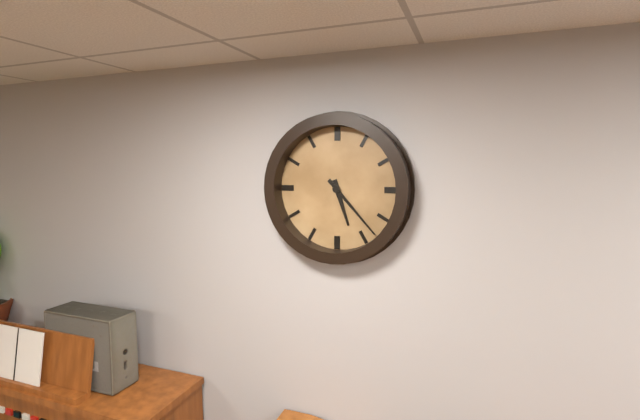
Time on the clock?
5:23
